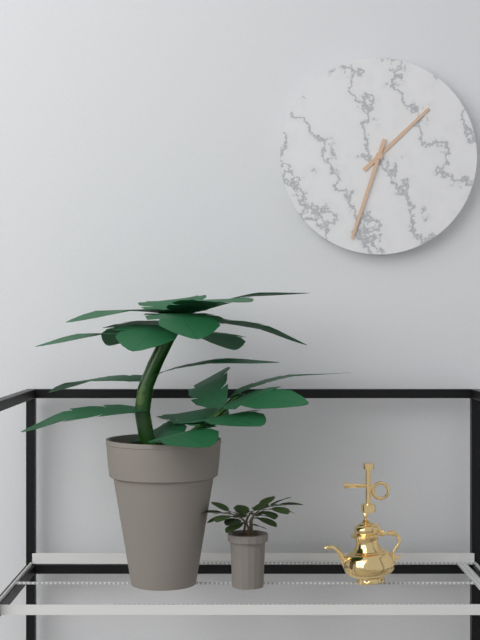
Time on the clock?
1:33
